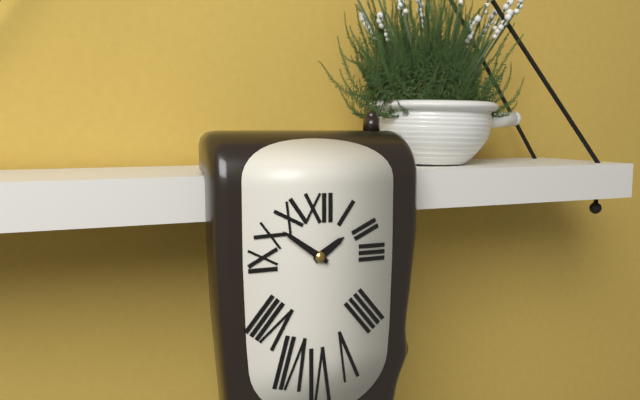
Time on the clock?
1:51
